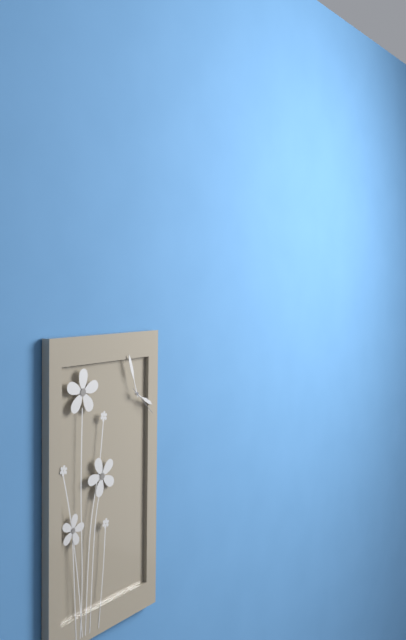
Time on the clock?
3:57
